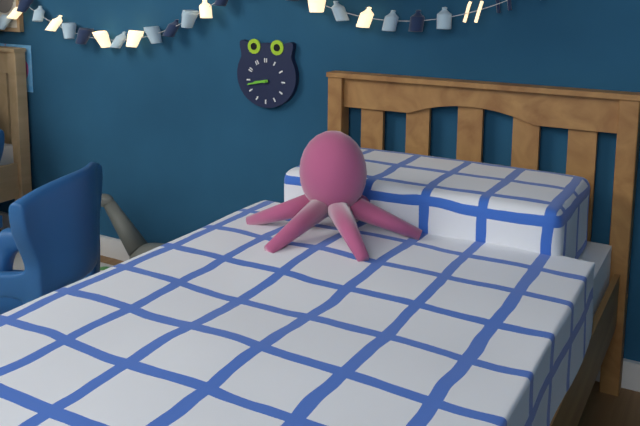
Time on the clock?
8:43
